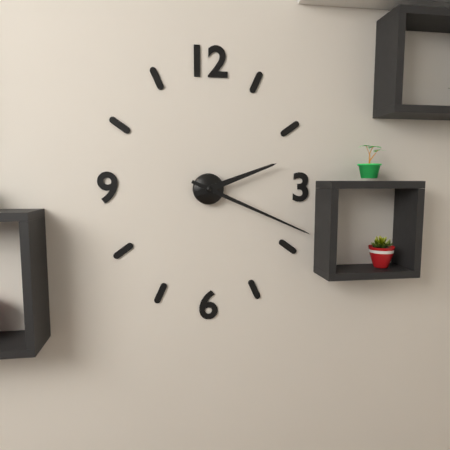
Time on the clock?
2:19
